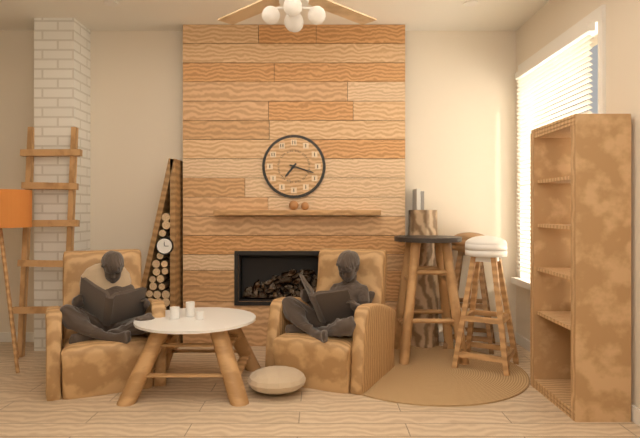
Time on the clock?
7:18
